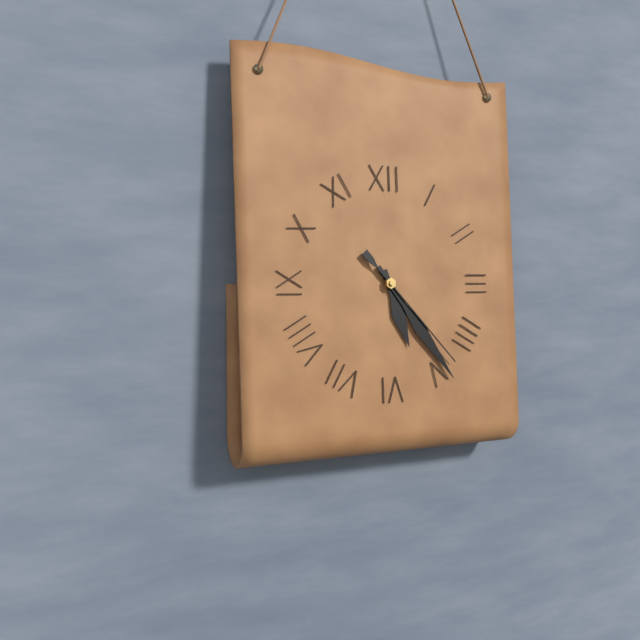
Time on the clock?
5:24:23
